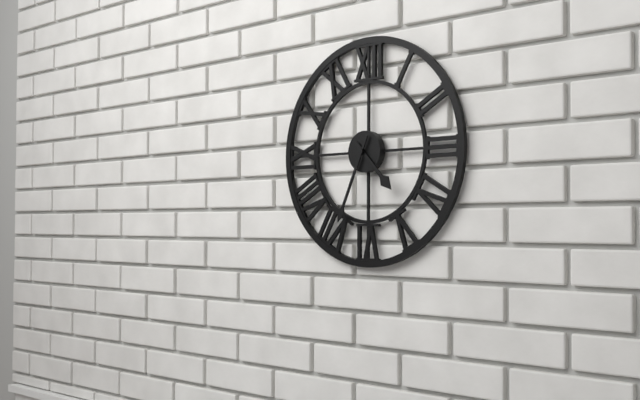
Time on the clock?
4:34
